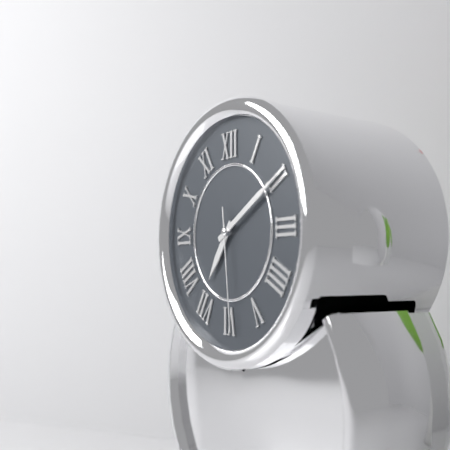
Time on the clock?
7:10:29
